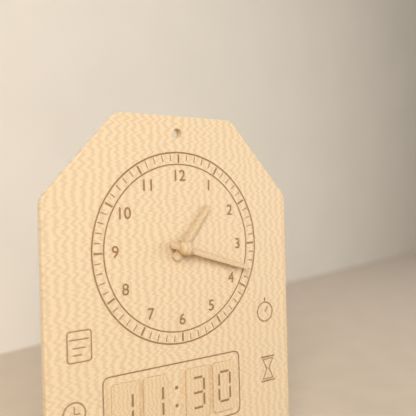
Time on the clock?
1:18
